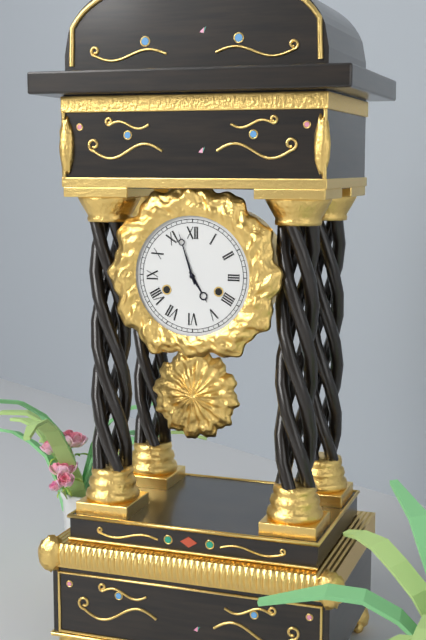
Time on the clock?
4:57
